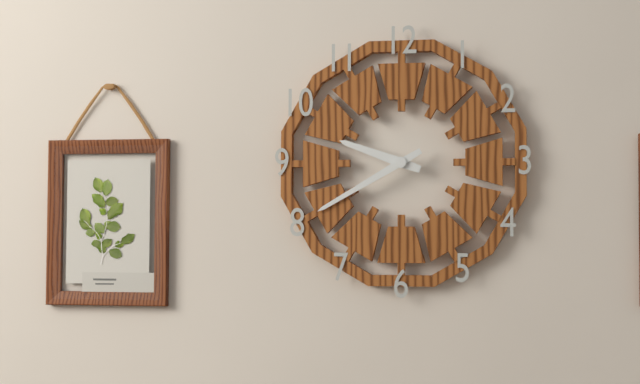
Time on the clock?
9:40
